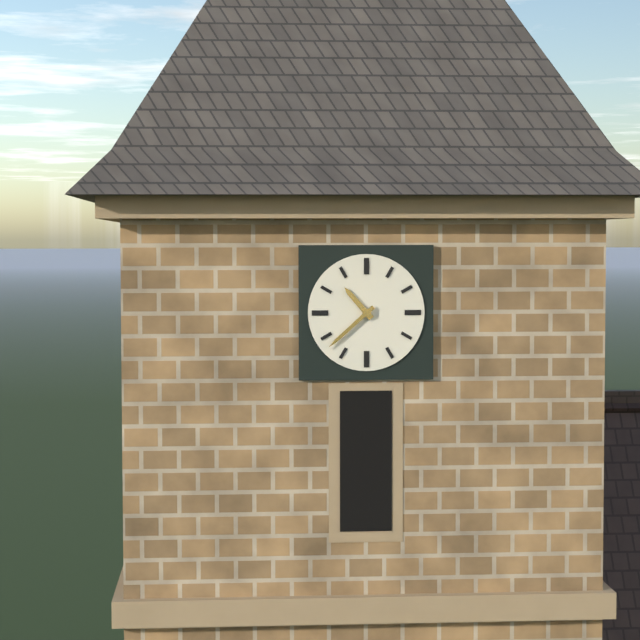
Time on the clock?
10:38
